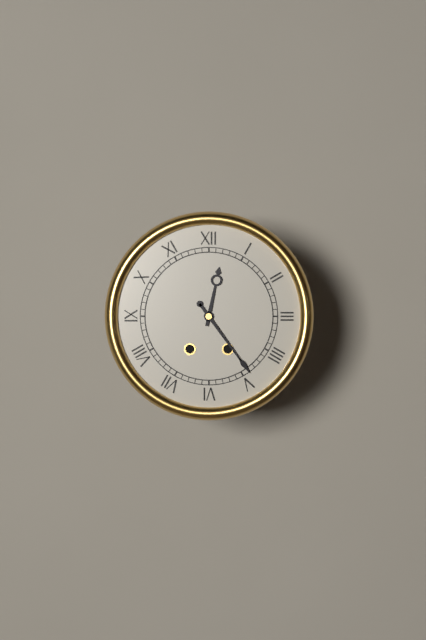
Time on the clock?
12:24
